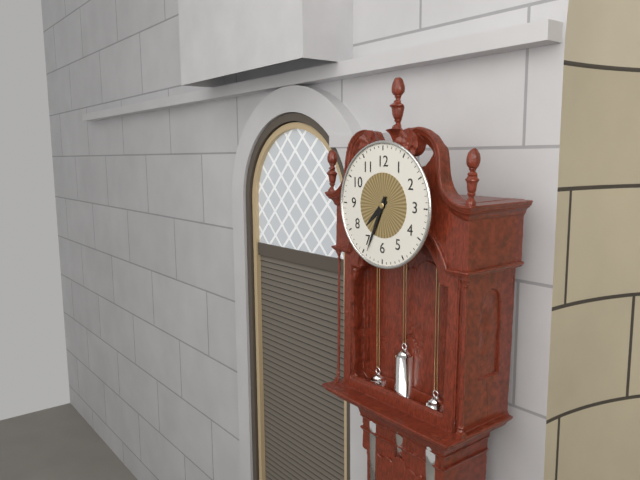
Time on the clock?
7:34
